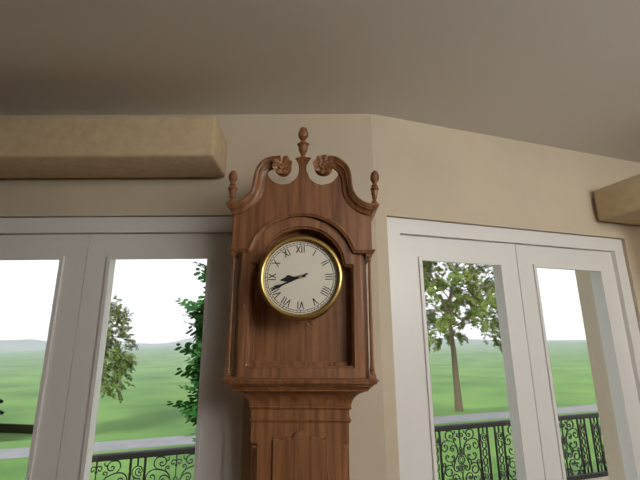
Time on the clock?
8:41
